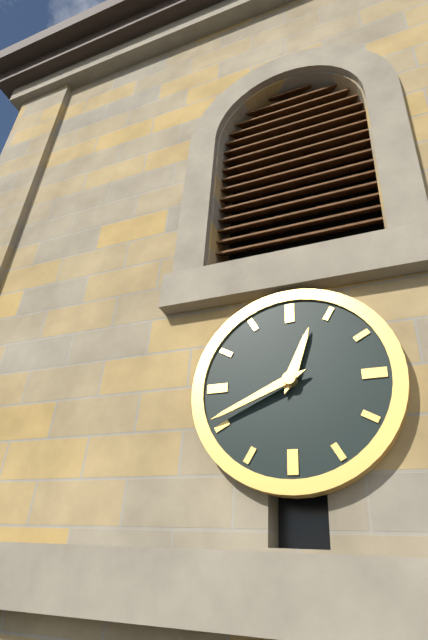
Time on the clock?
12:41
